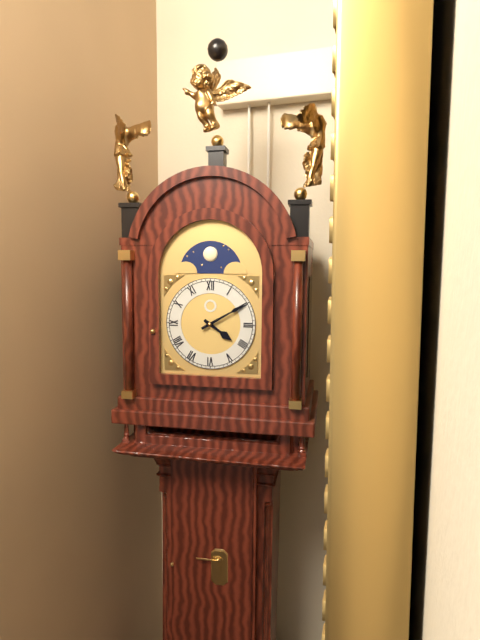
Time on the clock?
4:10
